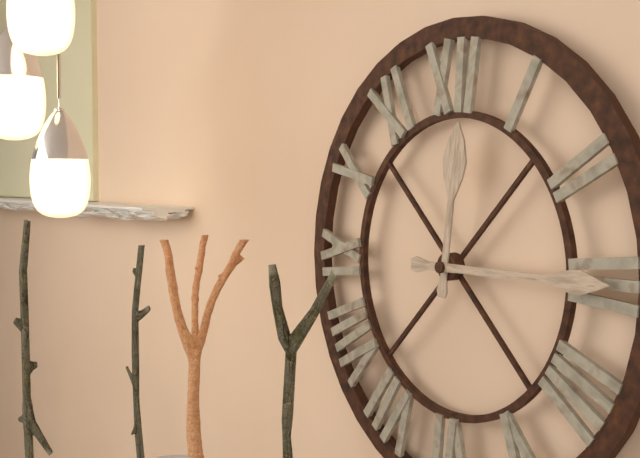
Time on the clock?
12:15
